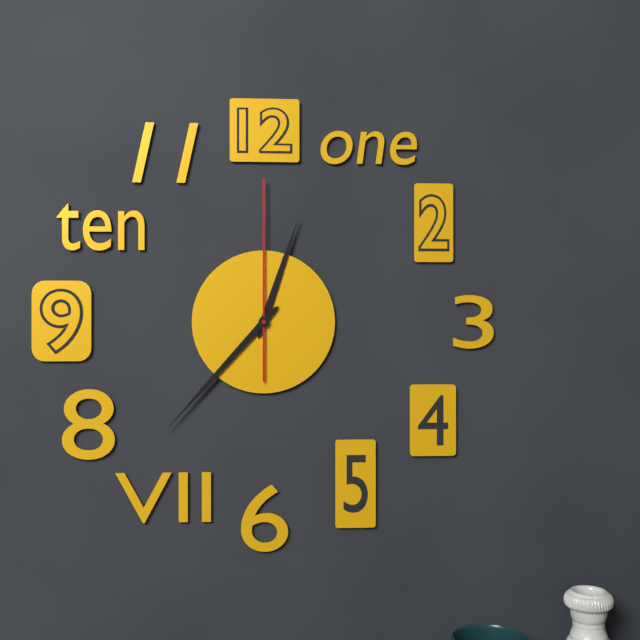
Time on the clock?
12:37:00
